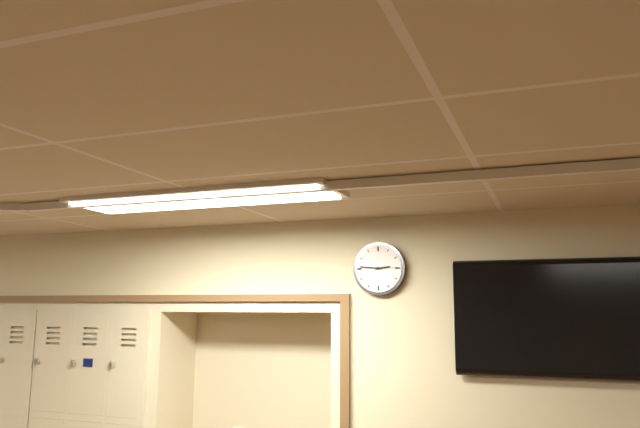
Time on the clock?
2:46
